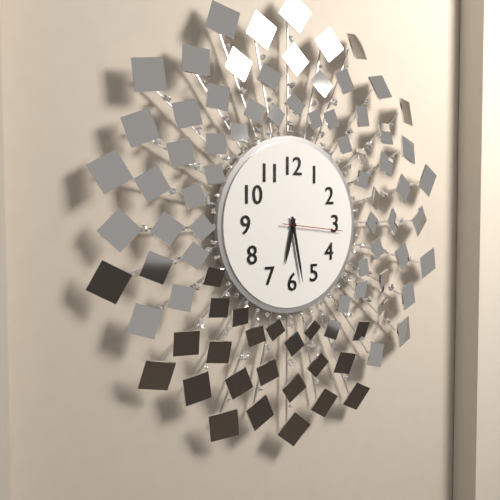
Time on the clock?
6:28:16
